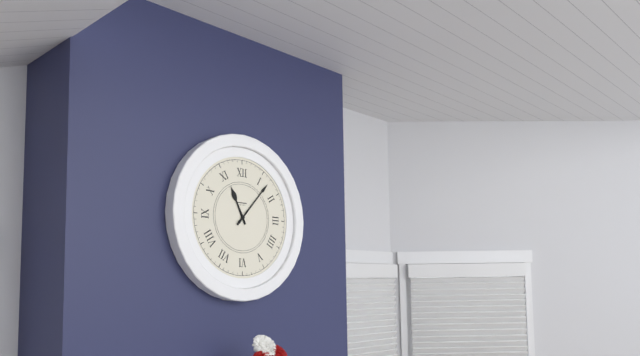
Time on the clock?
11:07
